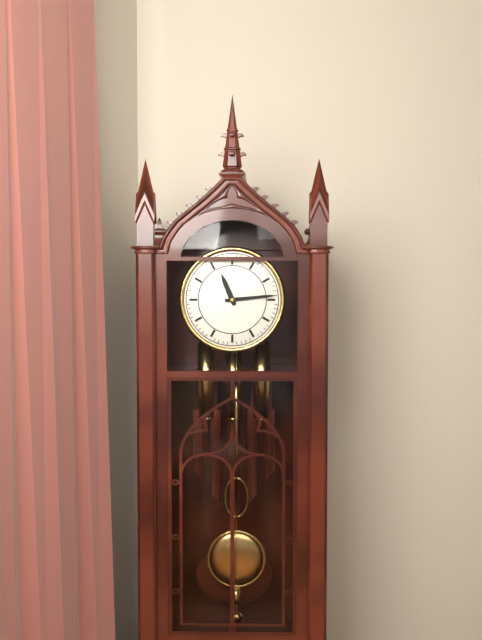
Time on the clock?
11:14
